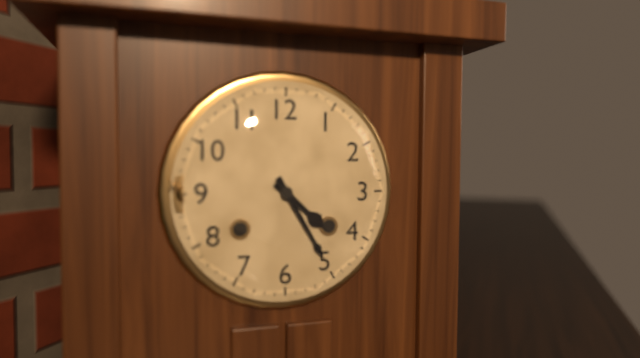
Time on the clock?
4:25
